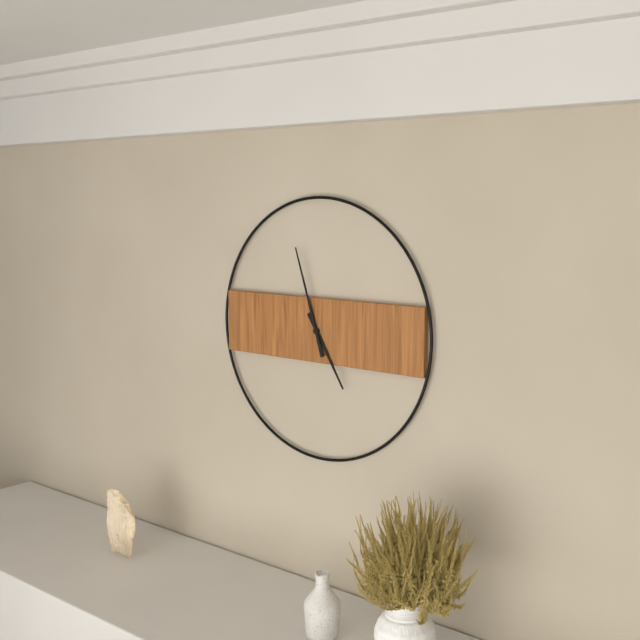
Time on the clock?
4:57
